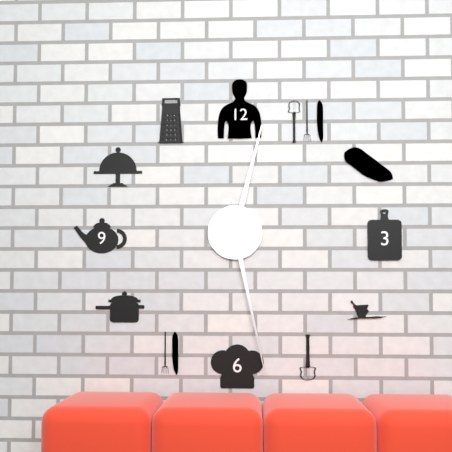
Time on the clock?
12:28
